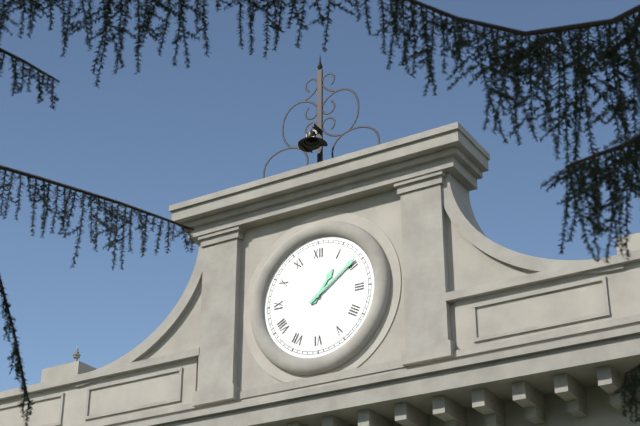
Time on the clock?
1:09
